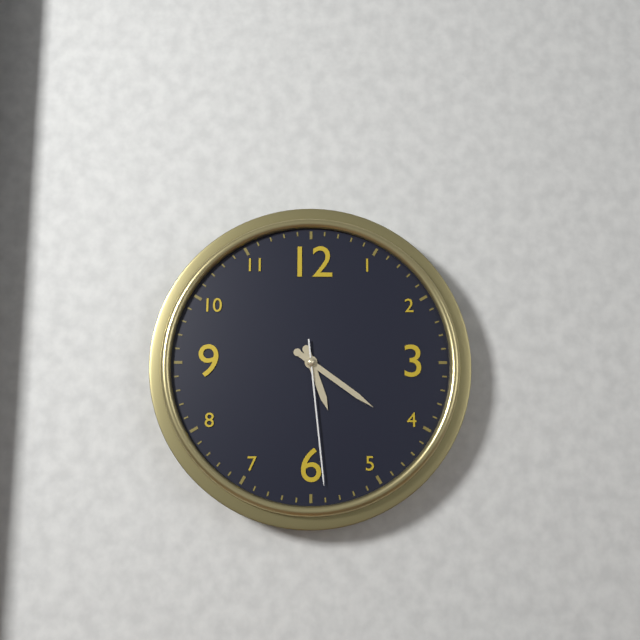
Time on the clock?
5:21:29
